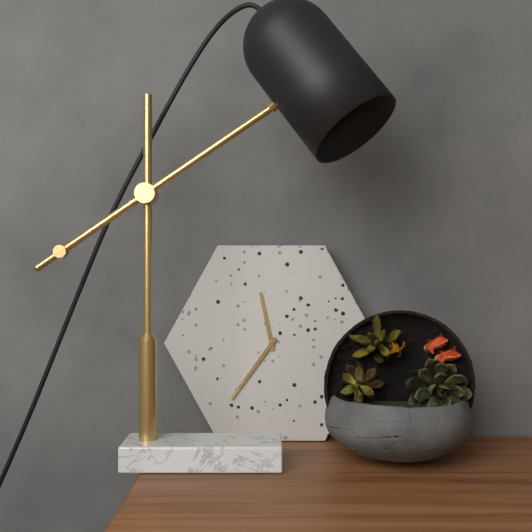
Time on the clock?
11:36
